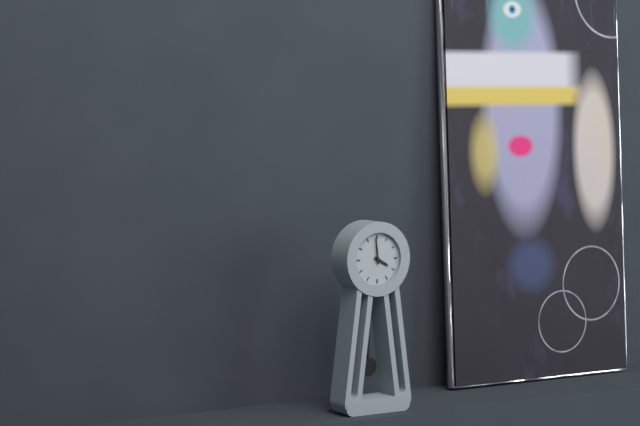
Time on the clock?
3:59
